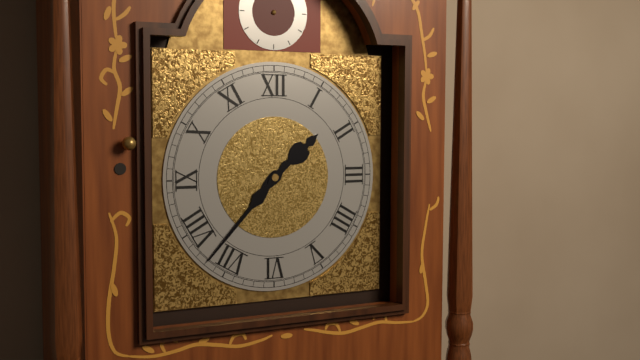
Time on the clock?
1:37
